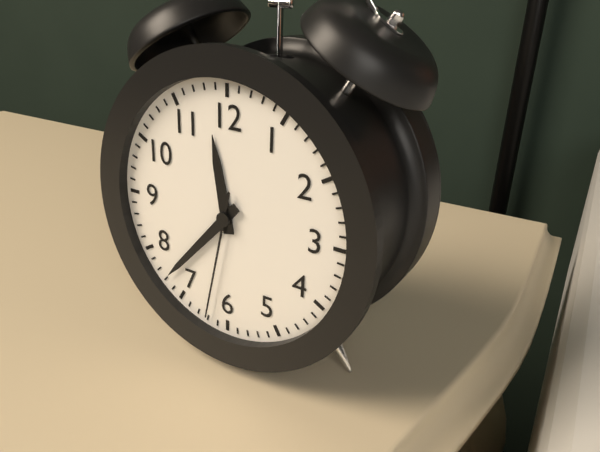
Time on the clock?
11:37:32
